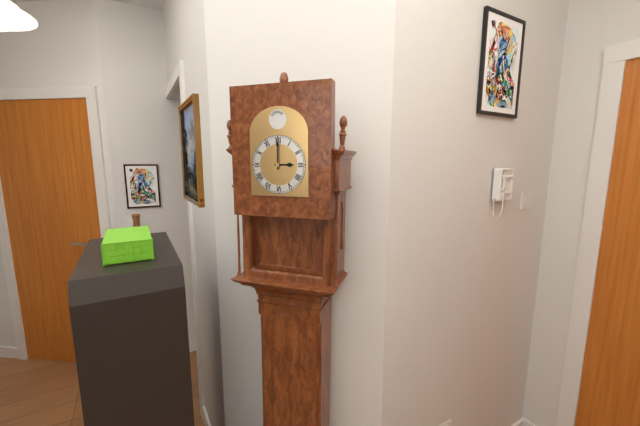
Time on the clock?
3:00
